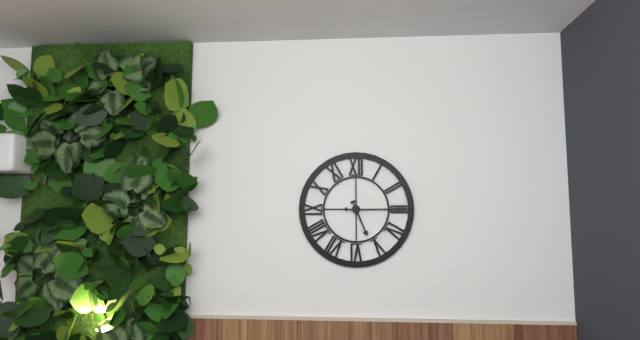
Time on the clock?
5:15
